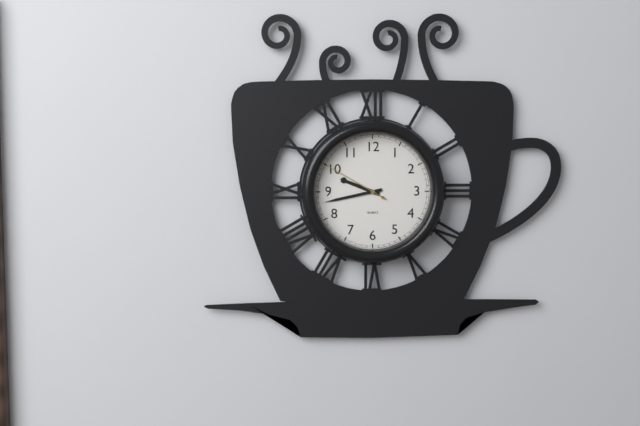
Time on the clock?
9:43:50
